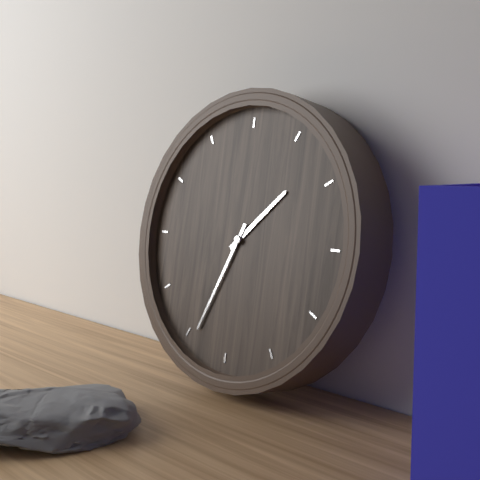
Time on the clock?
1:34
